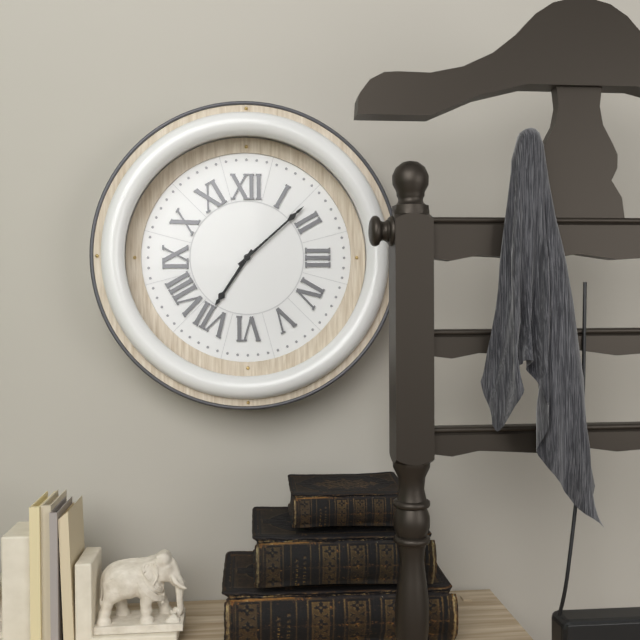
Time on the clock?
7:08
